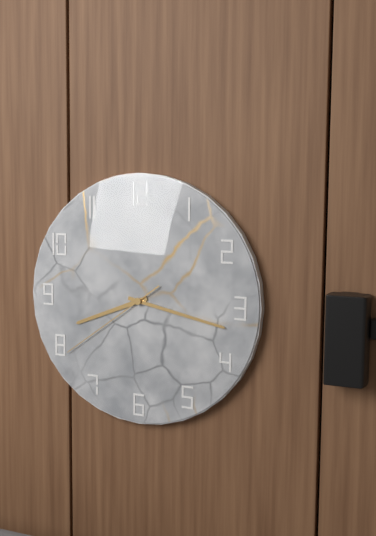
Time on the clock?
8:17:39
